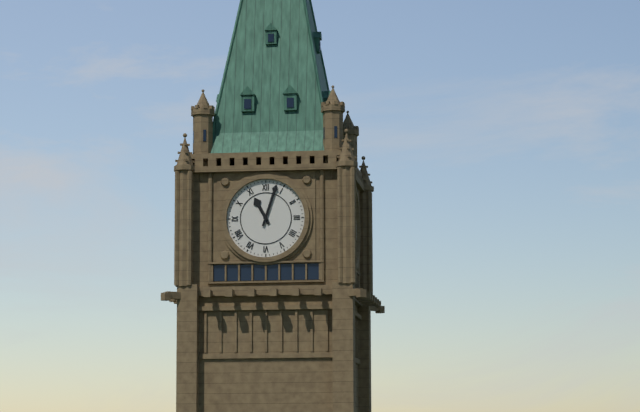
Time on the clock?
11:03
